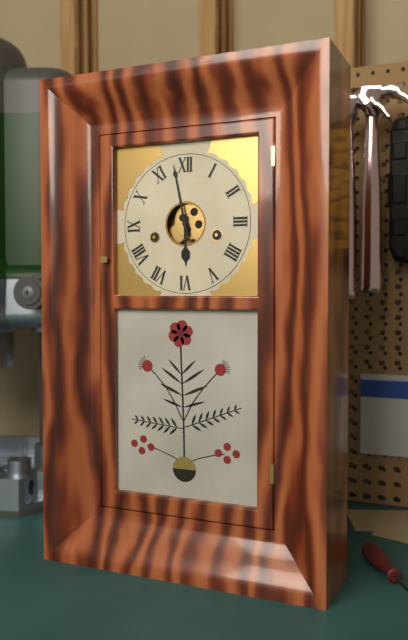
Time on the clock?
5:58
